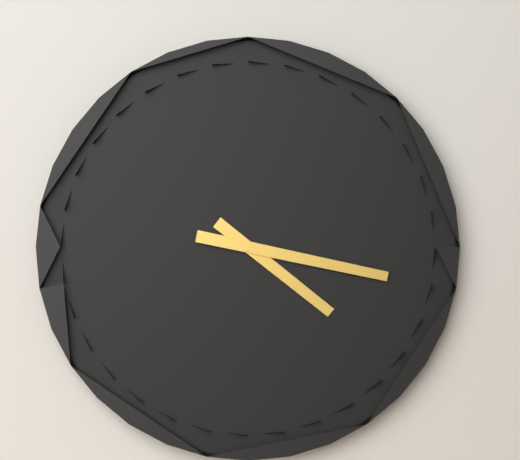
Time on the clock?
4:17
